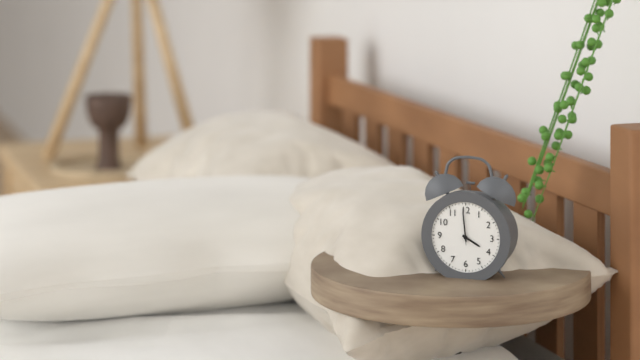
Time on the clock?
3:59
